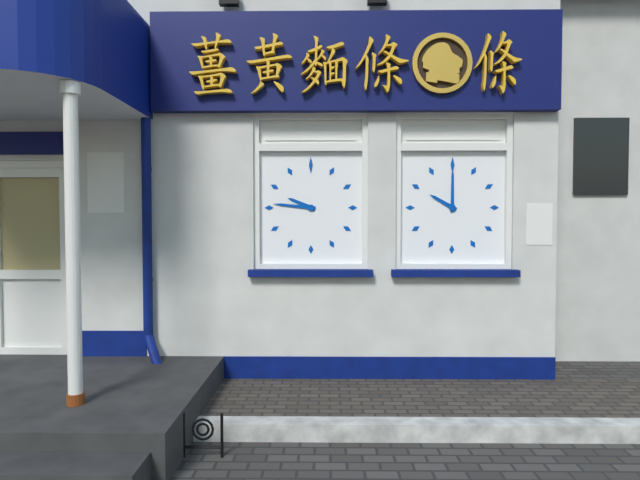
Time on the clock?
9:46
